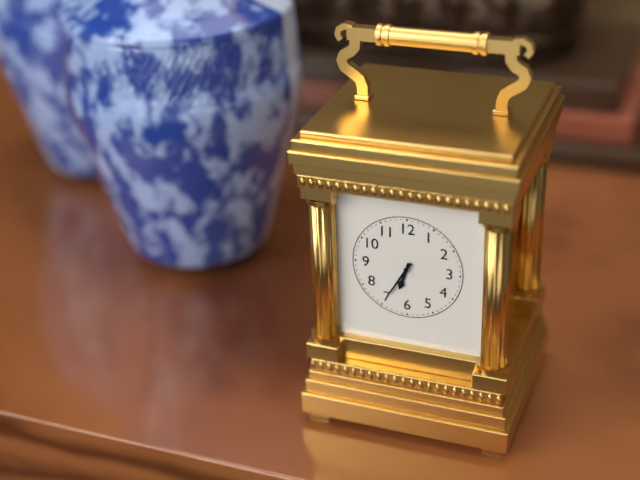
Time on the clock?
6:35
